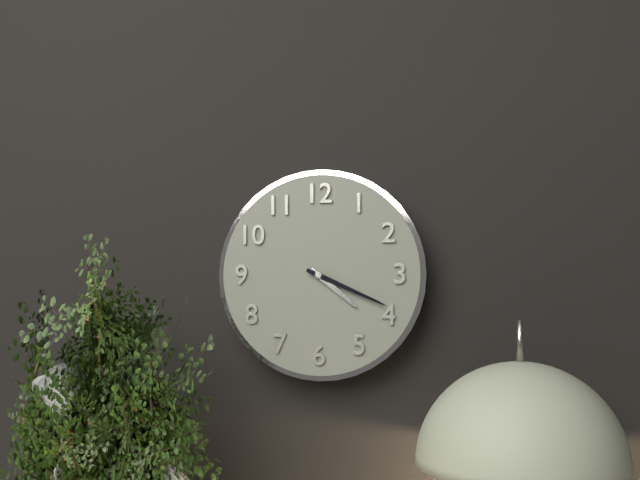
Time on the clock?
4:19
